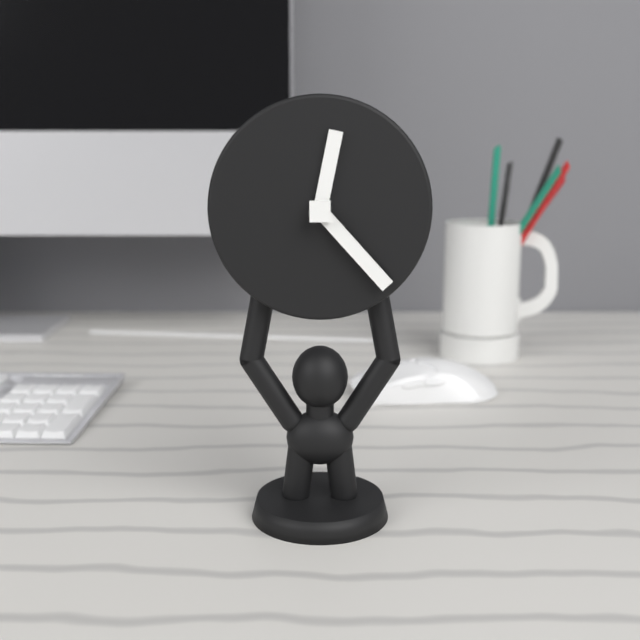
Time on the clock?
12:23
